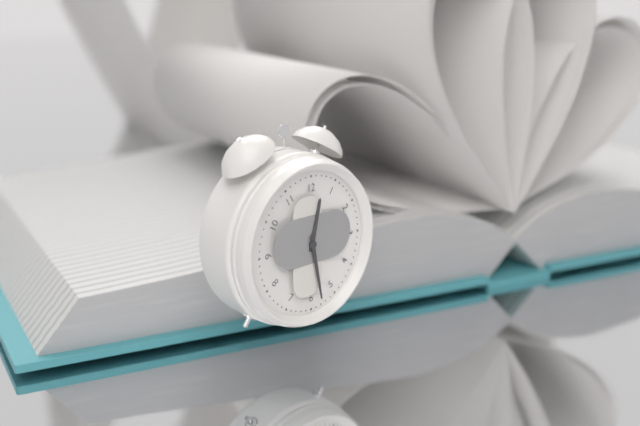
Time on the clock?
12:28
